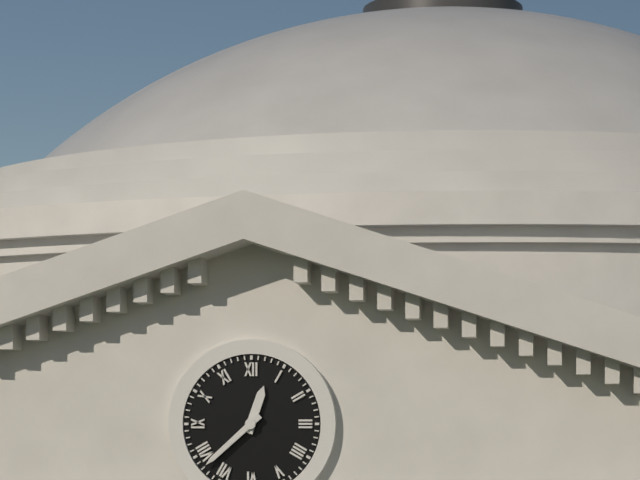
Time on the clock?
12:38
